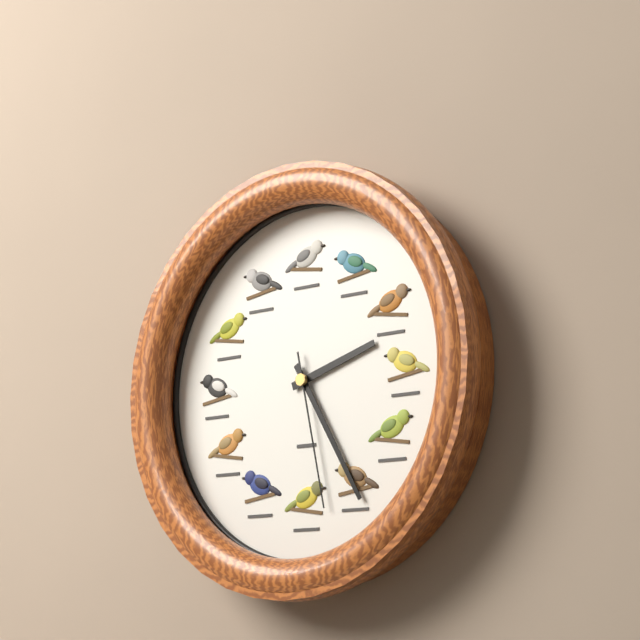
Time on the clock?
2:25:28
